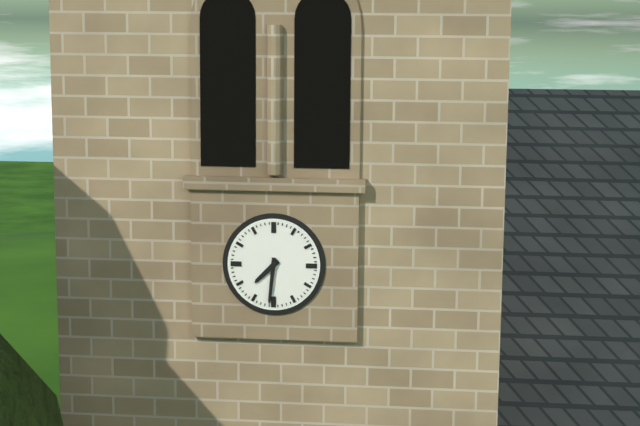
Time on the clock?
7:31
